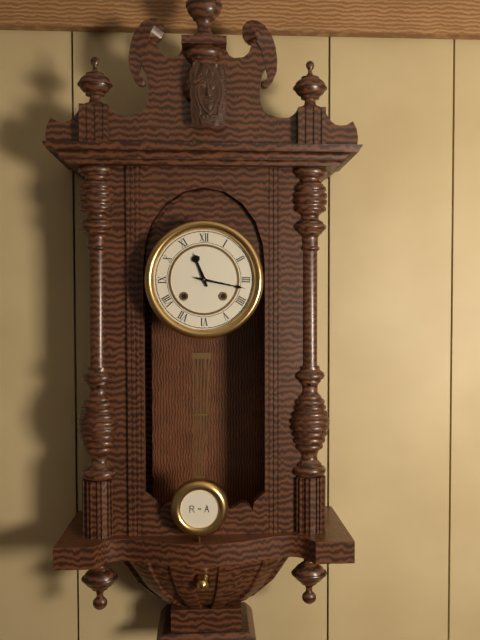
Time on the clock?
11:17
